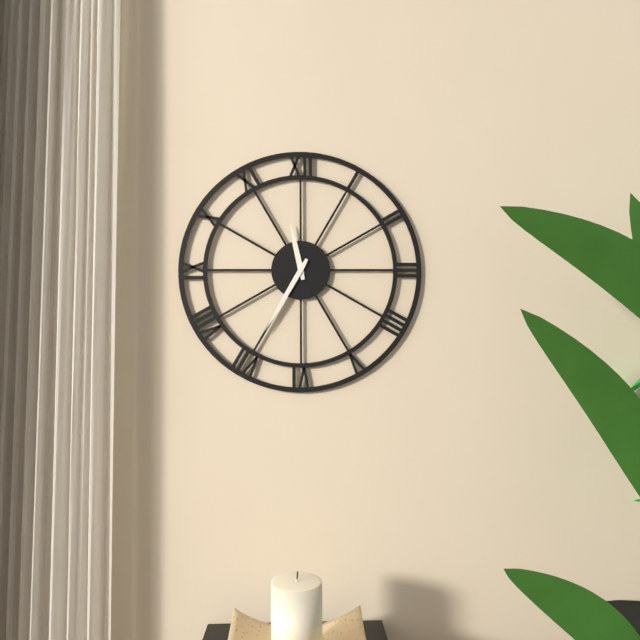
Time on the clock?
11:35
